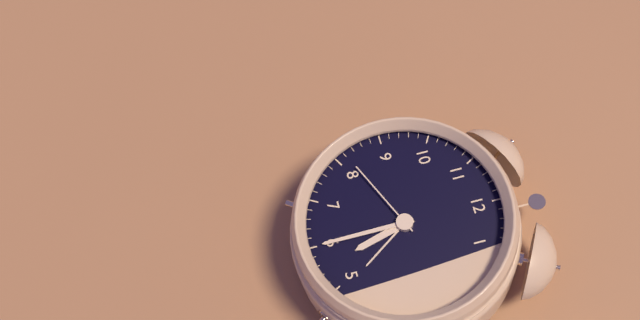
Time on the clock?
5:30:41
